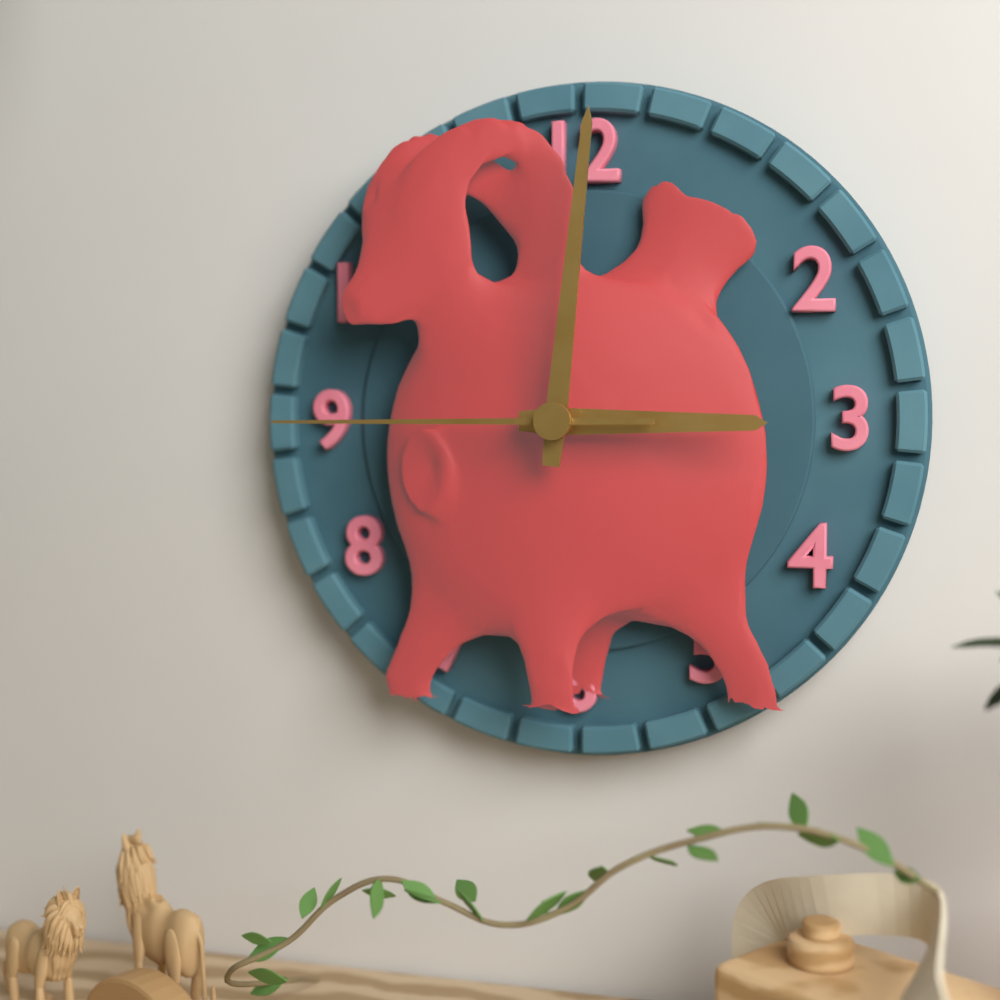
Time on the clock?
3:01:45
